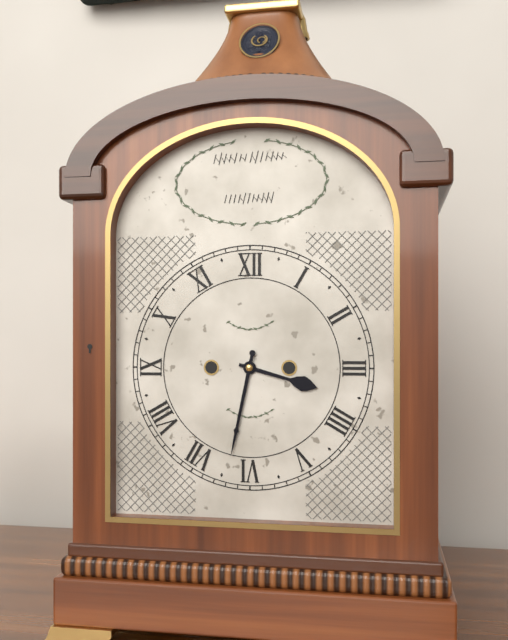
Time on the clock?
3:32
